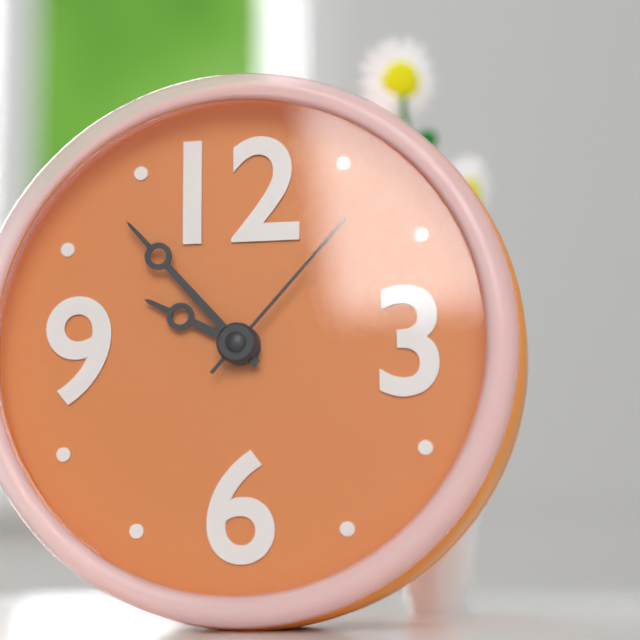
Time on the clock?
9:53:07
